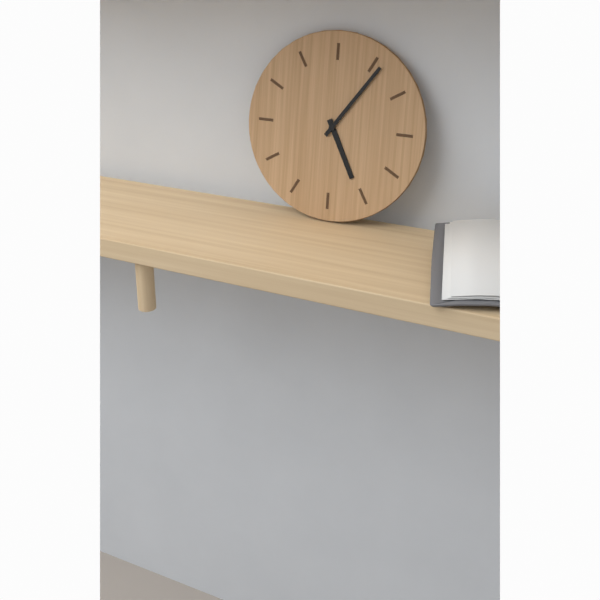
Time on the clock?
5:06
